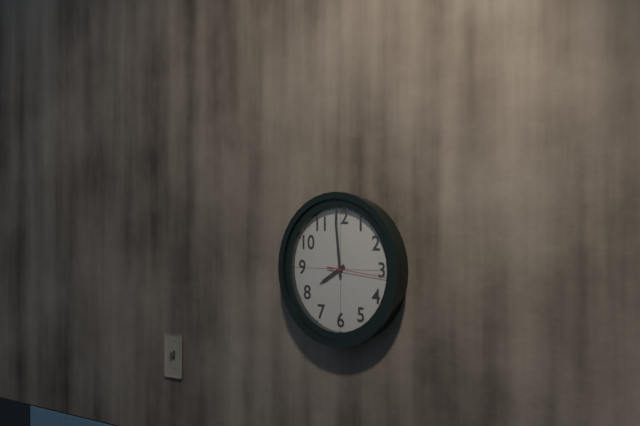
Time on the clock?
7:59:16
